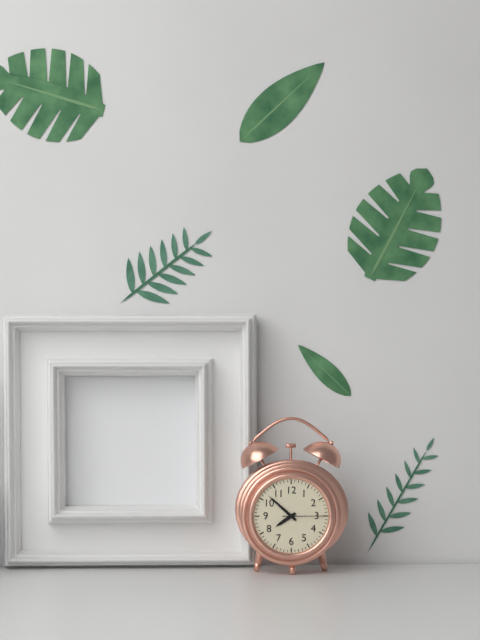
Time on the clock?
7:52
